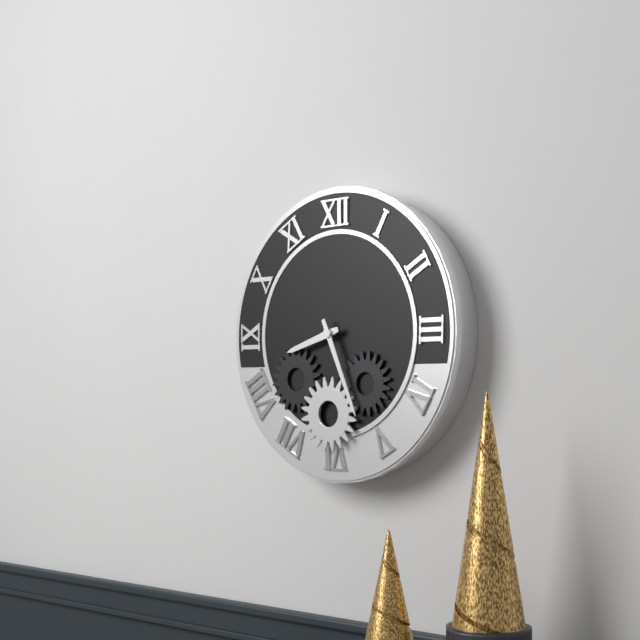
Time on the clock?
8:26
